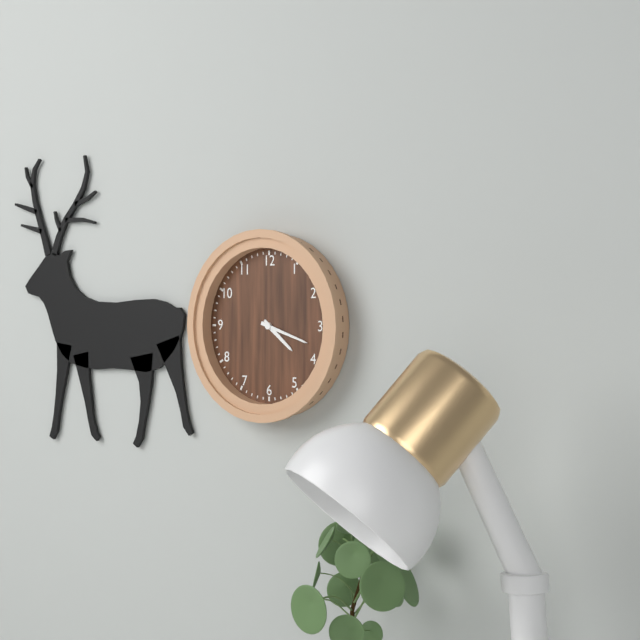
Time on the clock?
4:18
